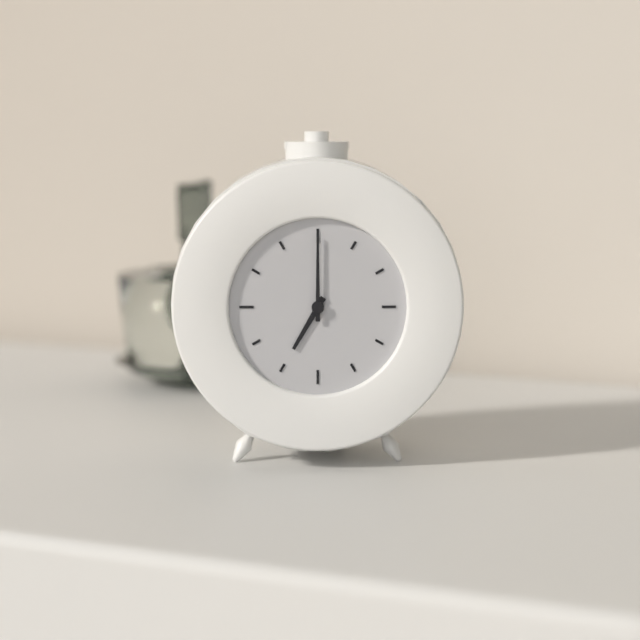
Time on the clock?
7:00
